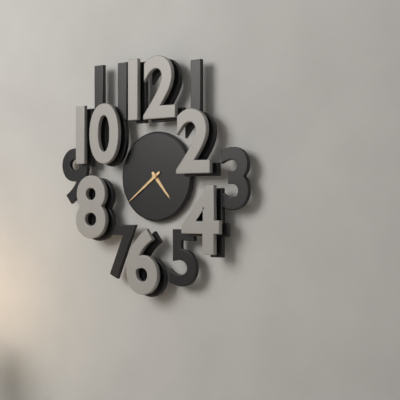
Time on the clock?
4:39
